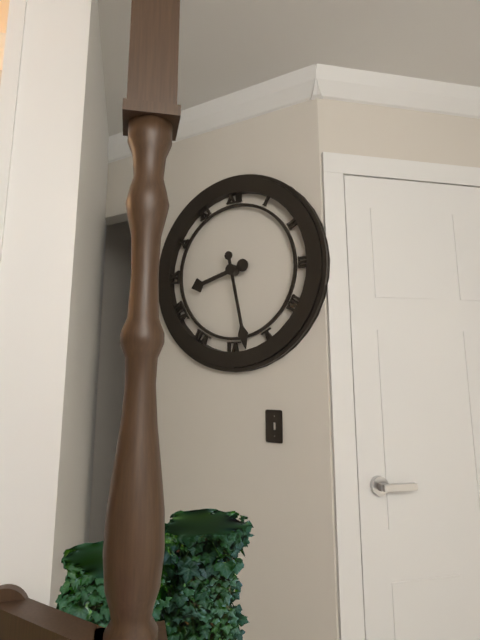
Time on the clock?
8:28
